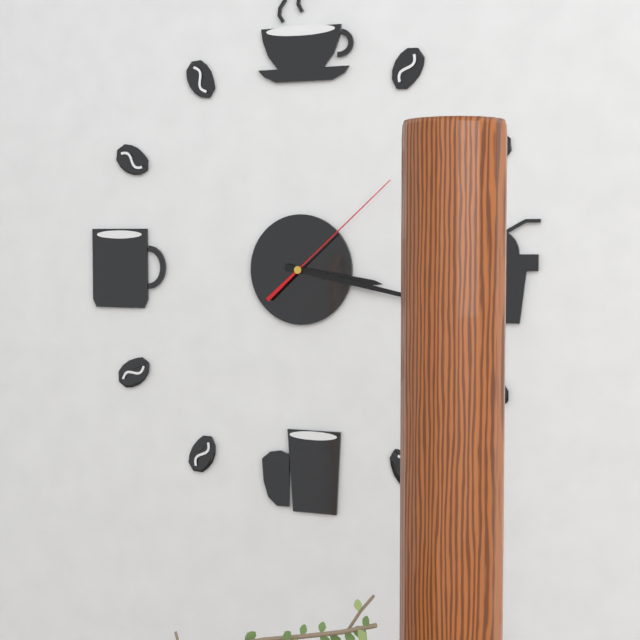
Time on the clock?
3:17:08
